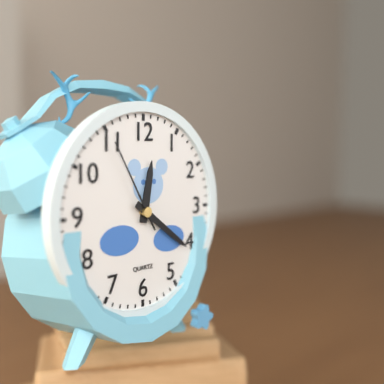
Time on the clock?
12:21:55
